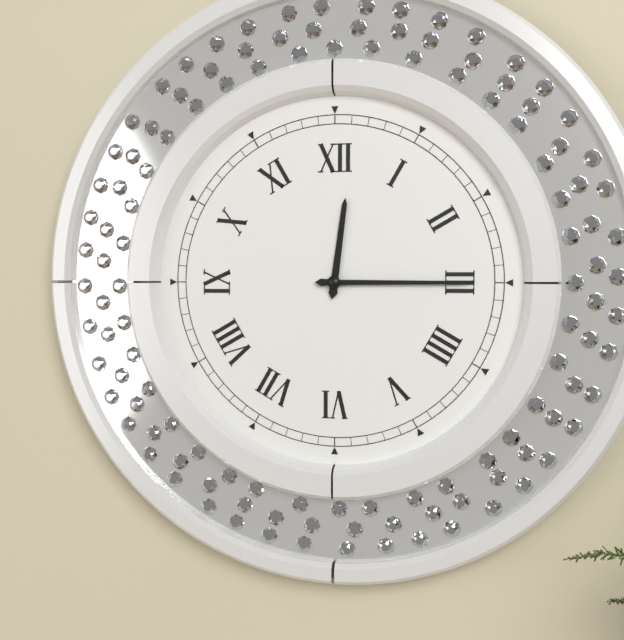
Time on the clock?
12:15
